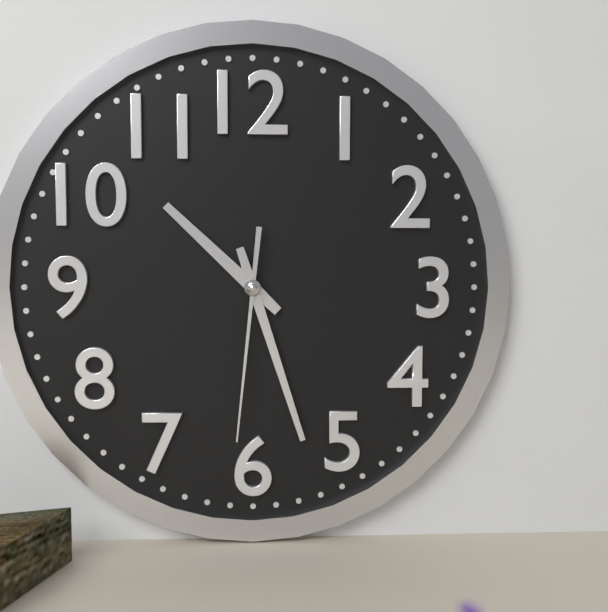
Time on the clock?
10:27:31
